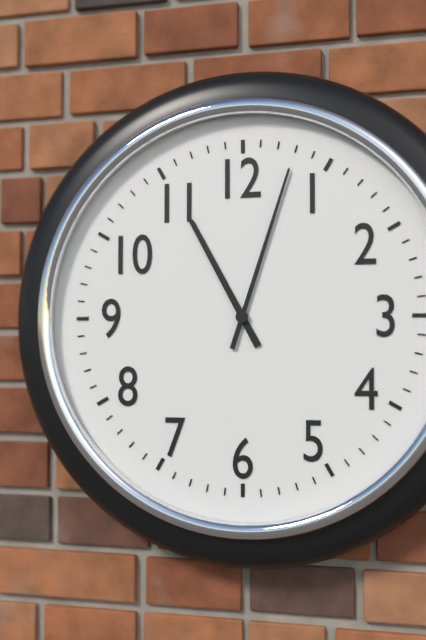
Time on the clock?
11:03
